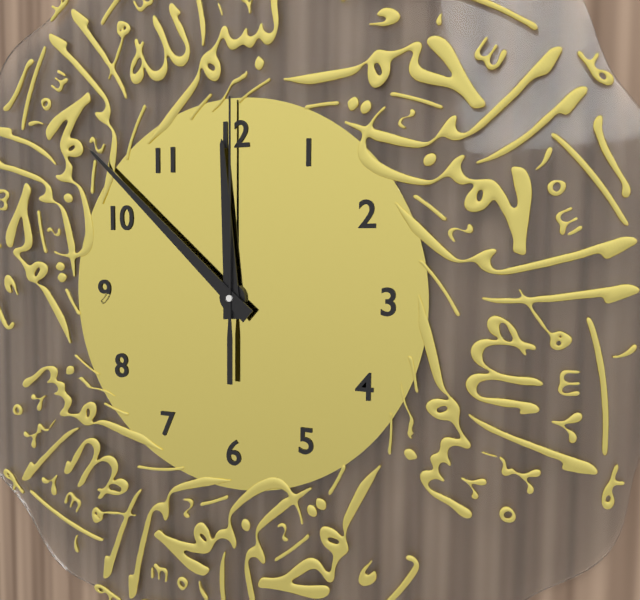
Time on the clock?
11:52:00
